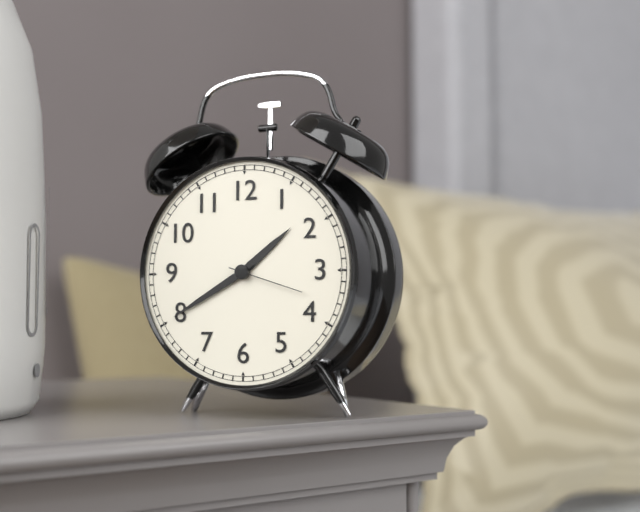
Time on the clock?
1:40:18
